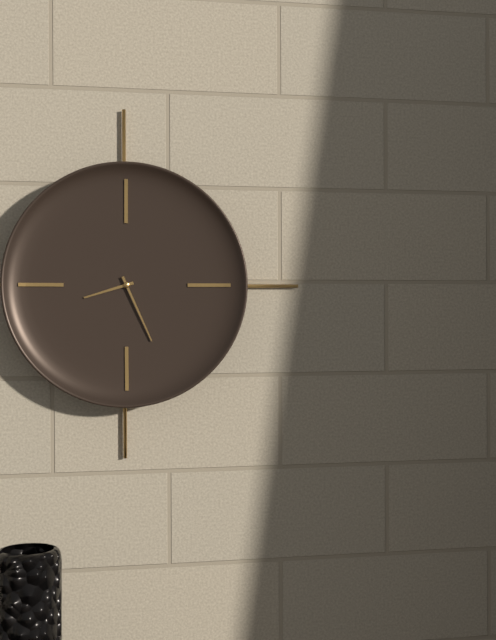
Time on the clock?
8:26
